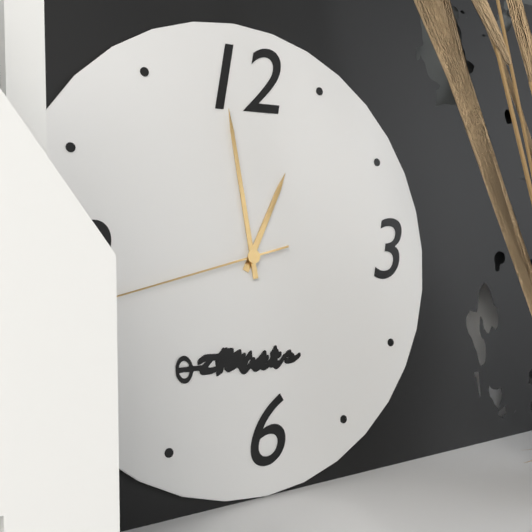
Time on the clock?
12:59:43
